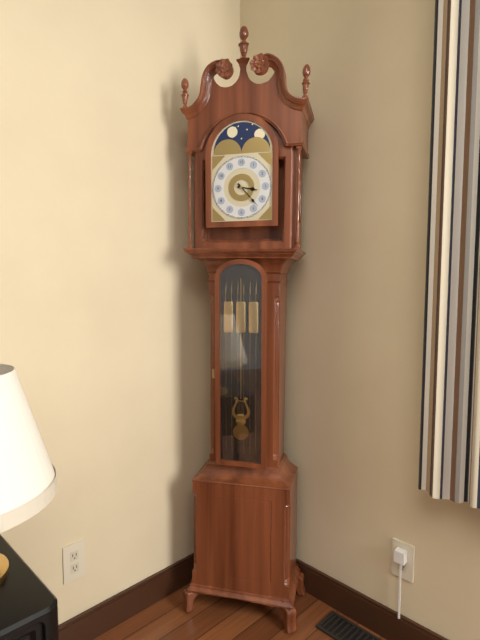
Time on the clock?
3:23
